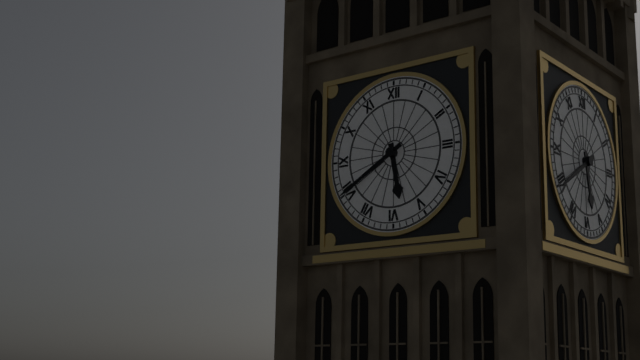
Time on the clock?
5:40
